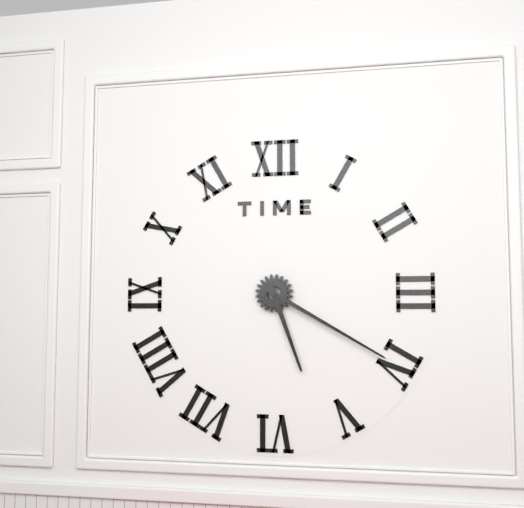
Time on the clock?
5:20
